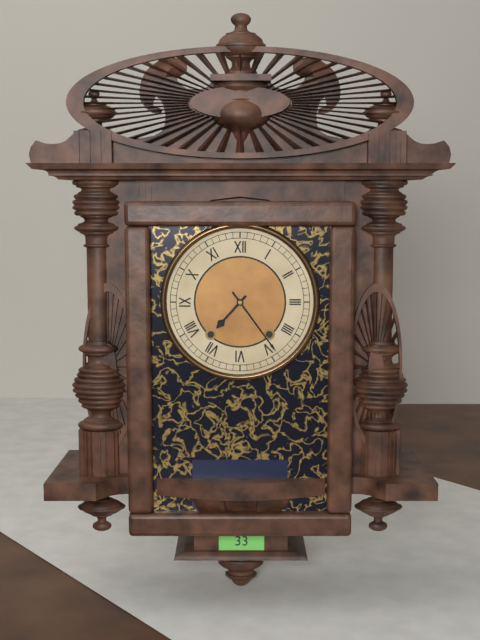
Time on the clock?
7:24
